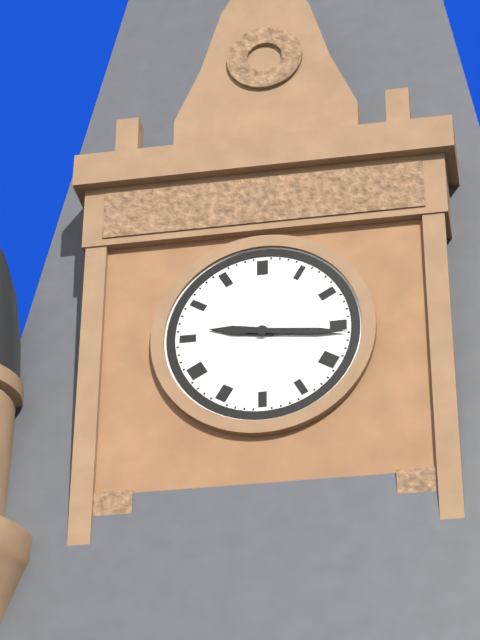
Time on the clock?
9:16
